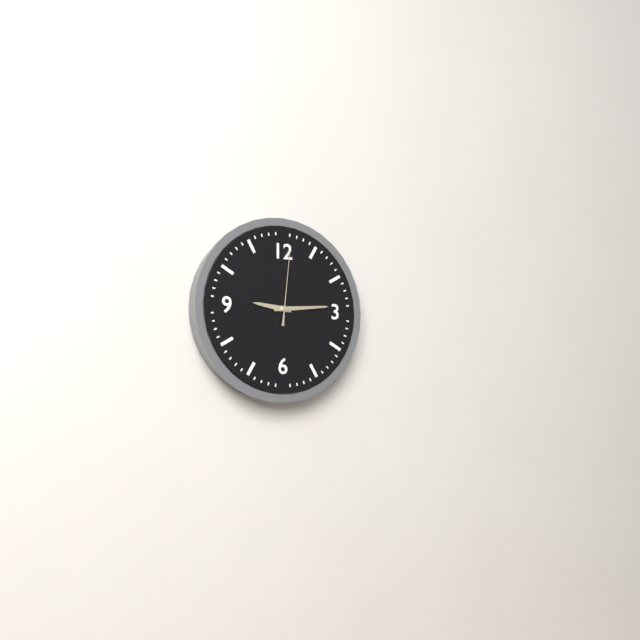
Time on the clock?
9:14:01
